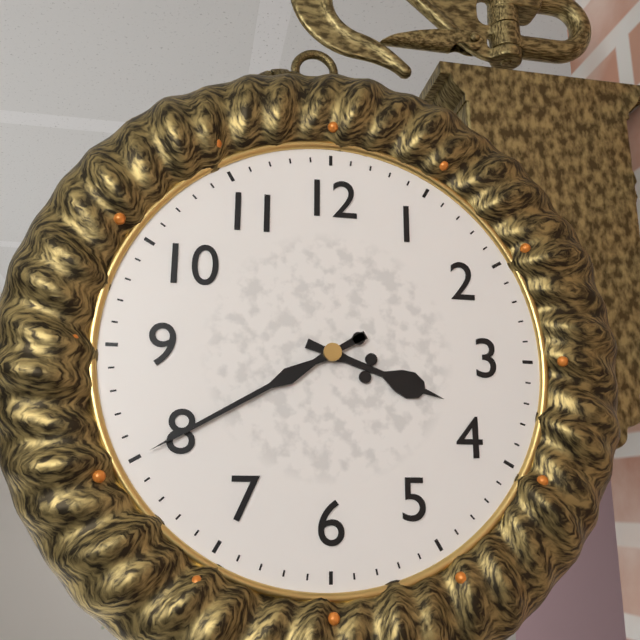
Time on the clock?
3:40
